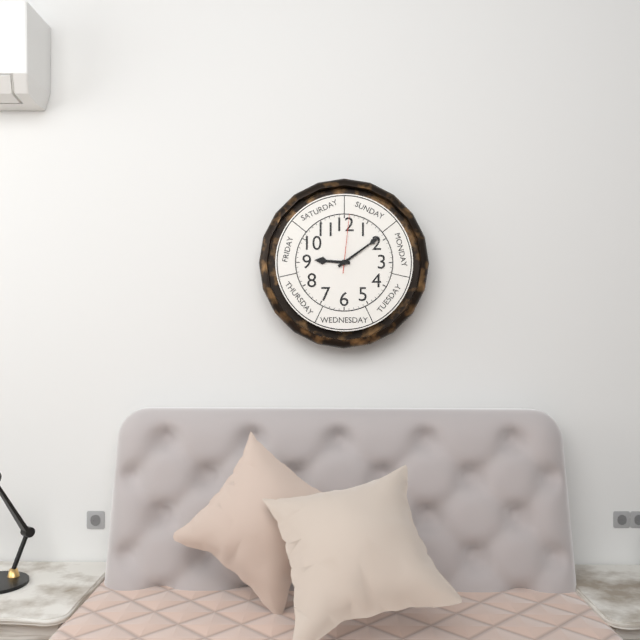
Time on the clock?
9:09:01
